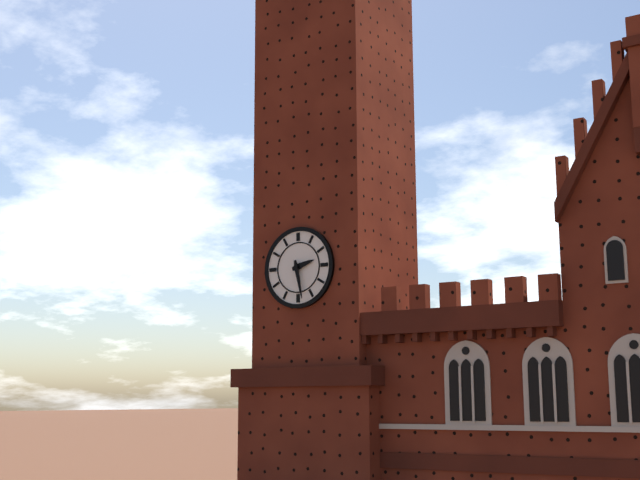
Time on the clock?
2:28
